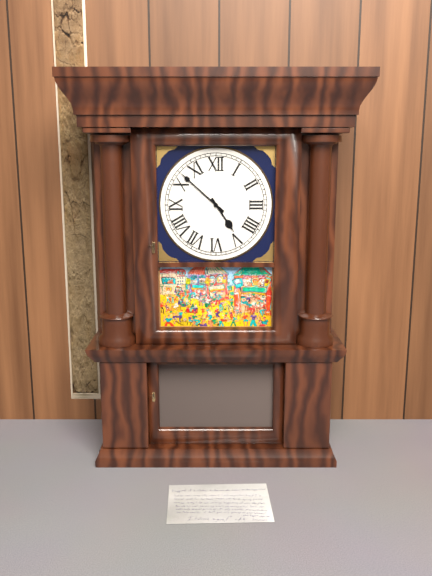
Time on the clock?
4:52
